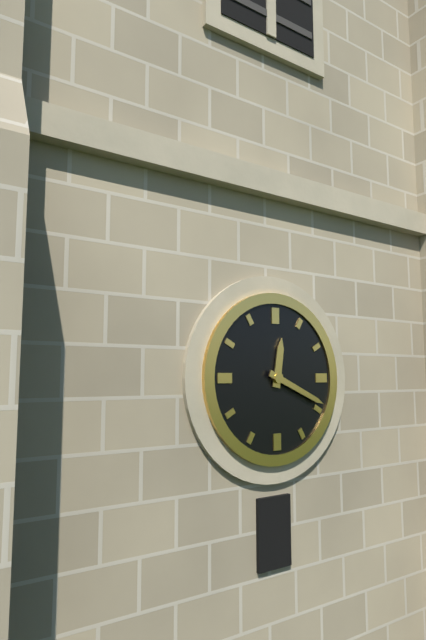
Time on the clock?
12:19
